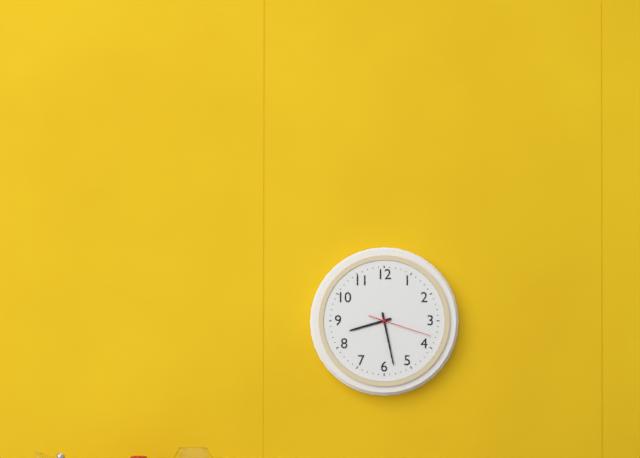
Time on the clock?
8:28:18
